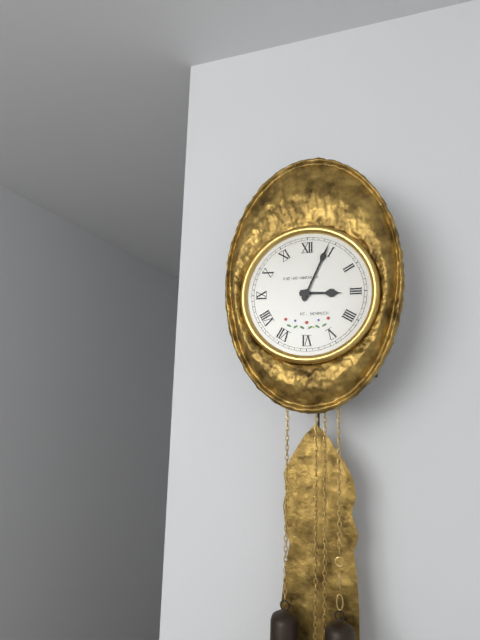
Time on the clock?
3:04
